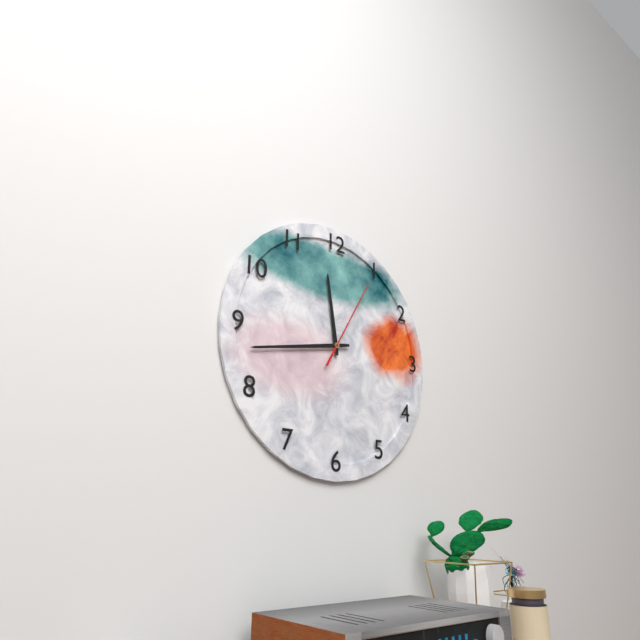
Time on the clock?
11:43:05
